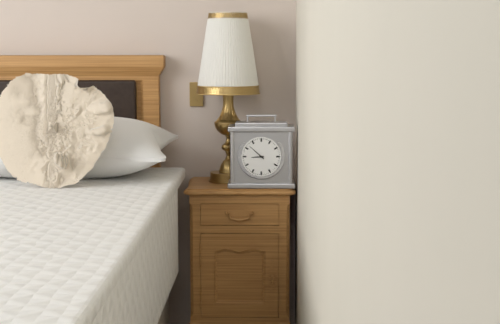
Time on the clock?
8:52
